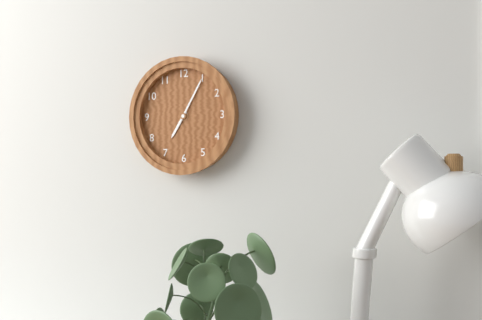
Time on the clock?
7:05
